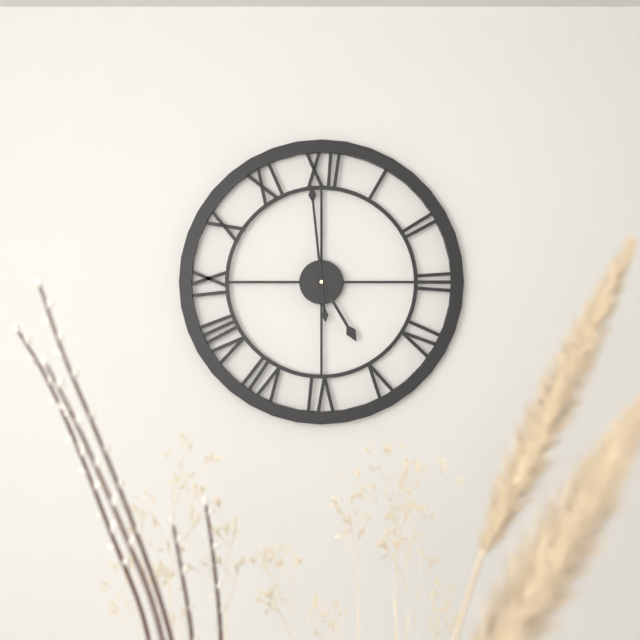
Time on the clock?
4:59
